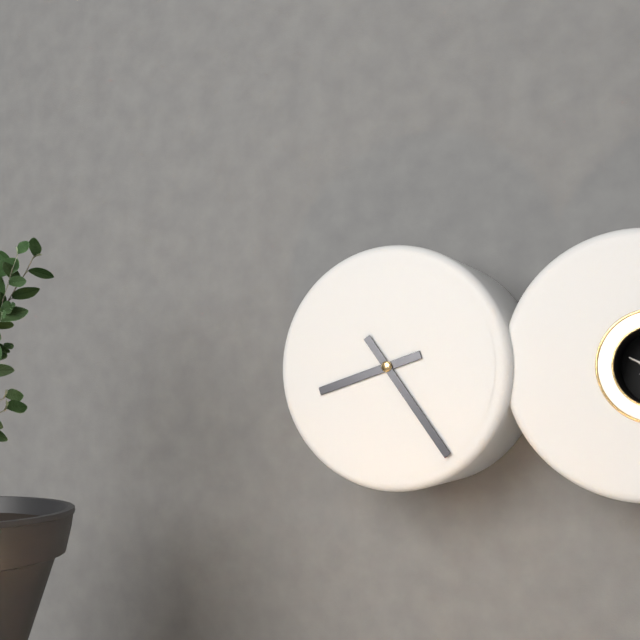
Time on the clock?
8:24
